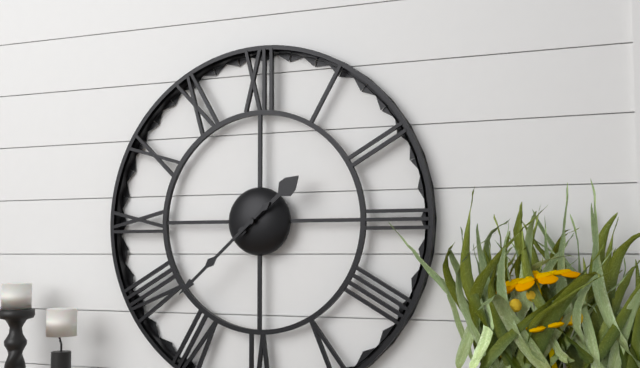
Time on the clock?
1:38
